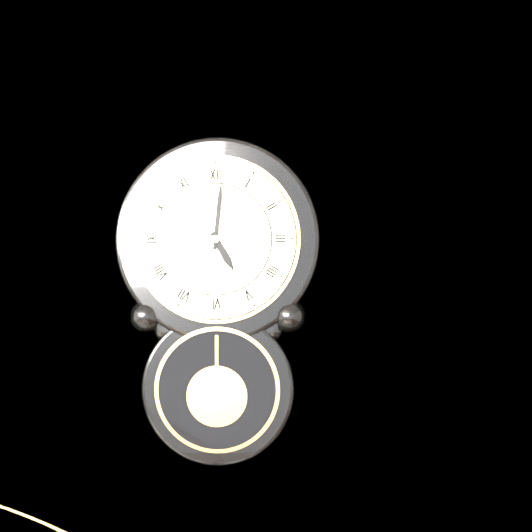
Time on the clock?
5:01
